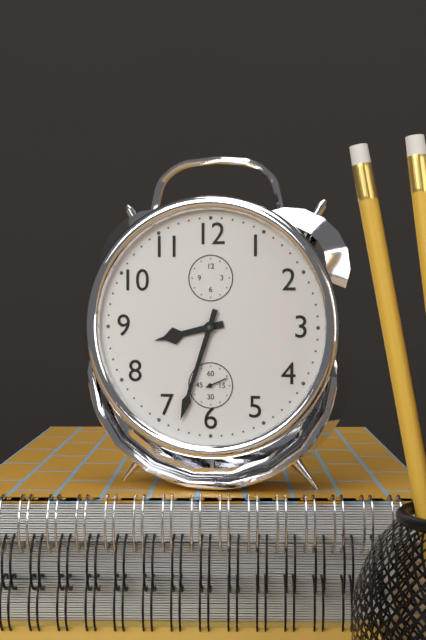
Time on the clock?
8:33
